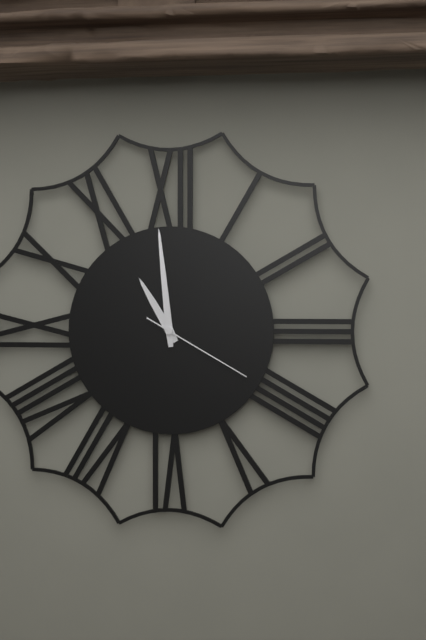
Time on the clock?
10:59:20
